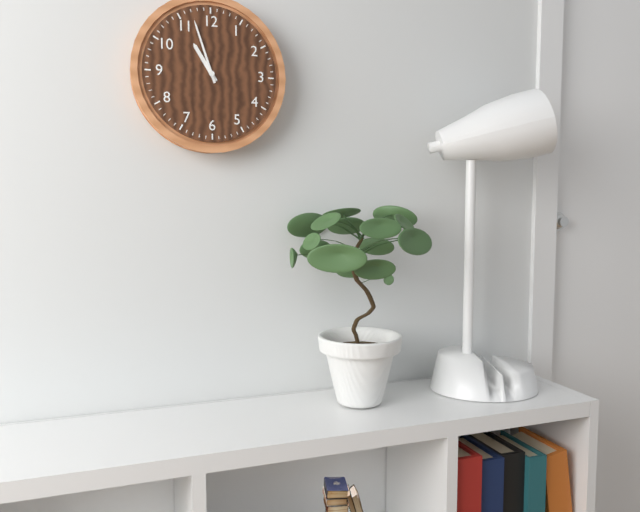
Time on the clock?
10:57
